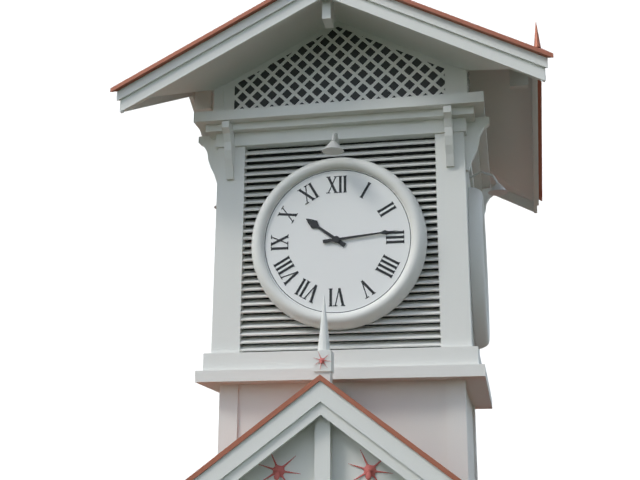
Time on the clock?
10:14
